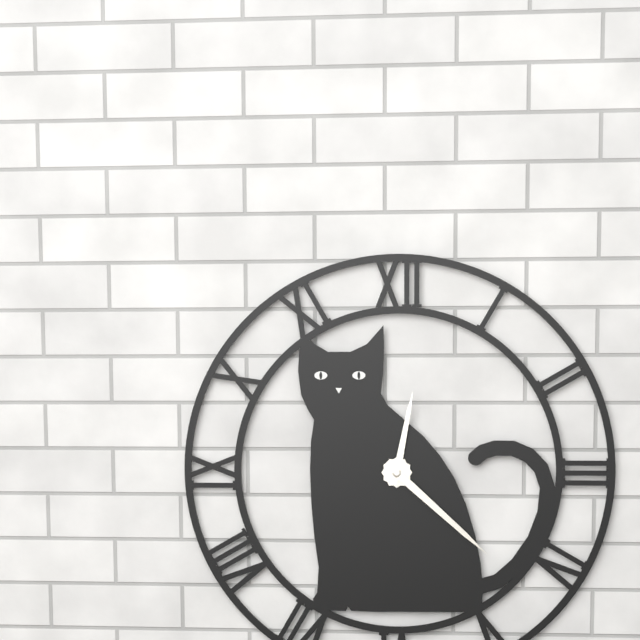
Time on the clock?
12:22
